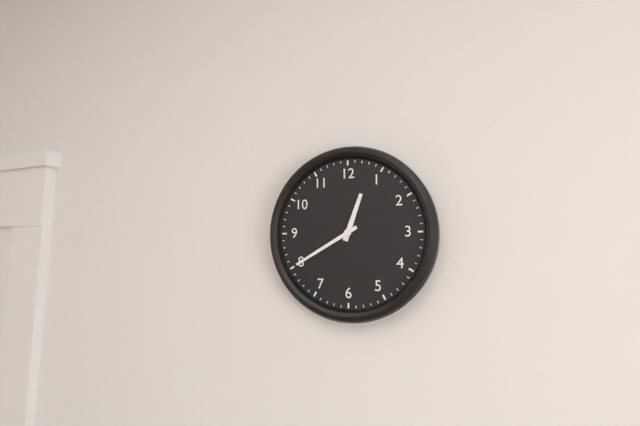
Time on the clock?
12:40
